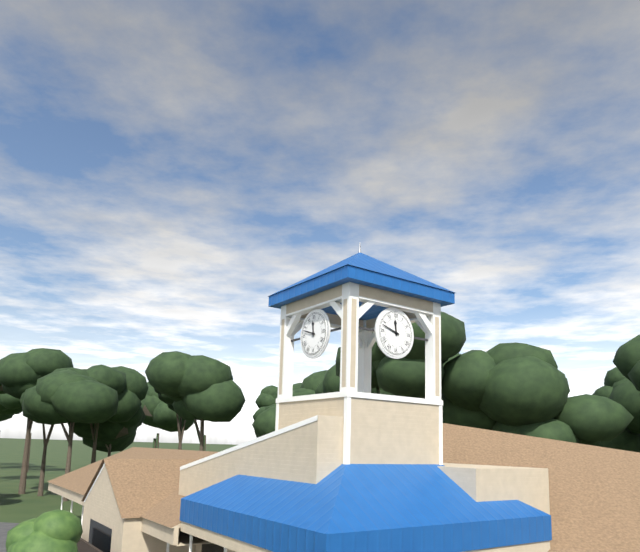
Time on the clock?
11:48
